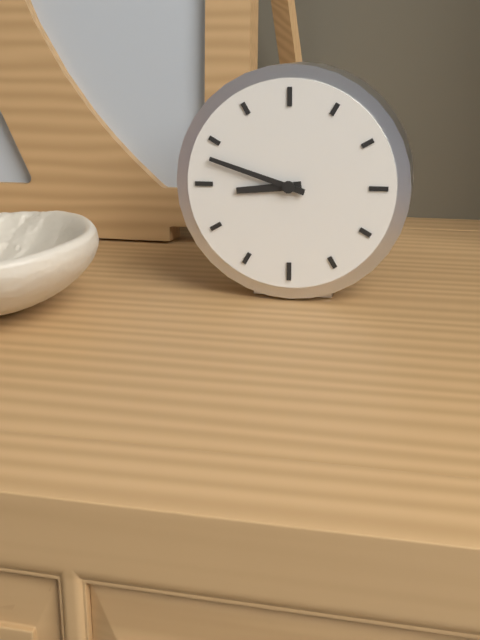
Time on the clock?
8:48
